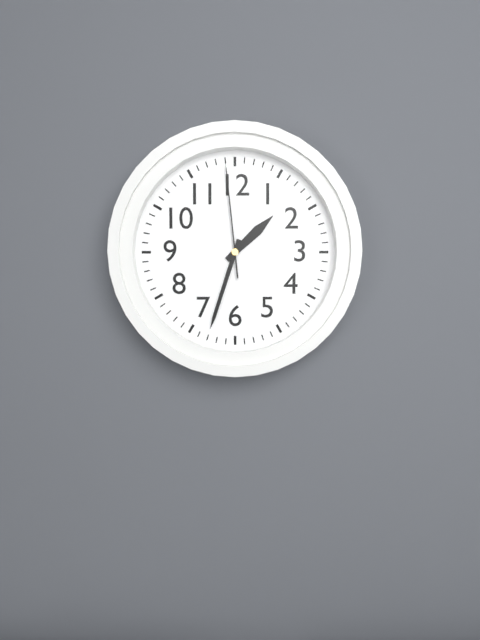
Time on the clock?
1:33:59
